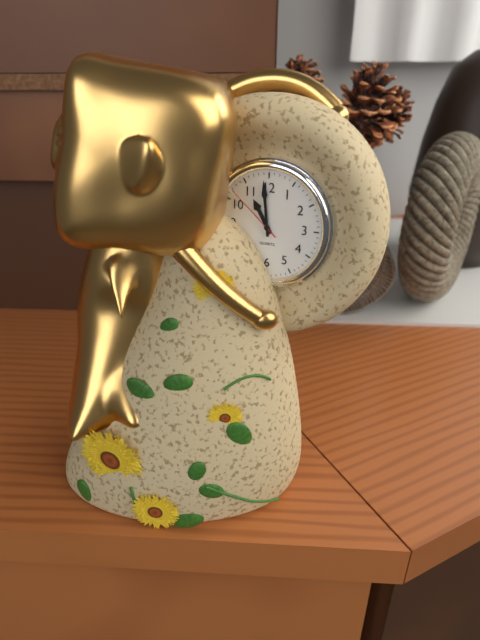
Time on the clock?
10:59:52
